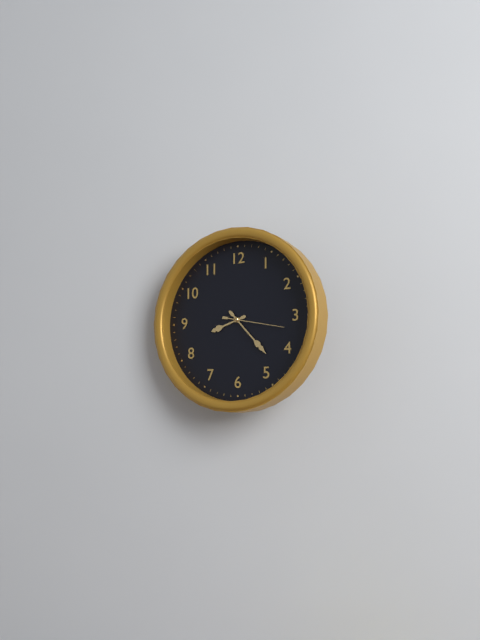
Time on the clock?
8:23:17
